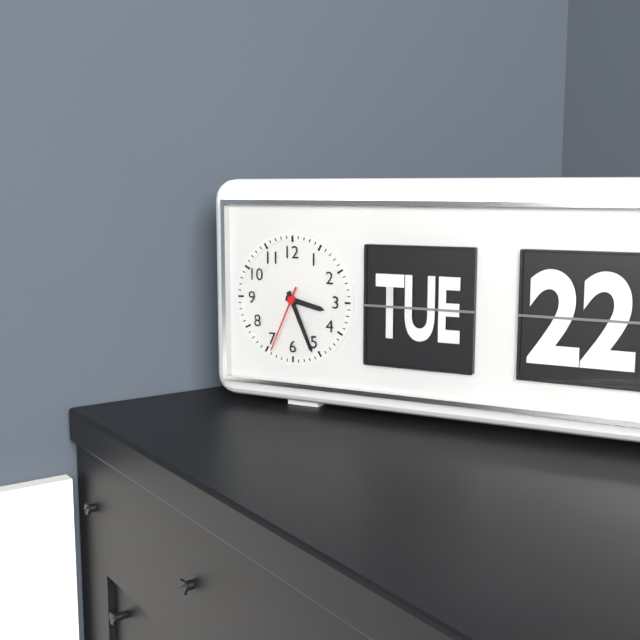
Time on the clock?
3:26:34
